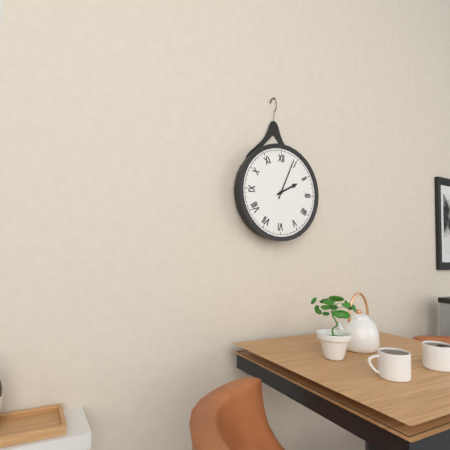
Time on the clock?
2:04
